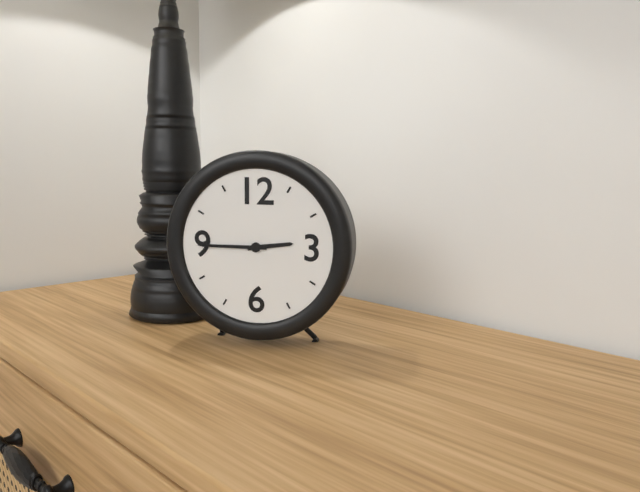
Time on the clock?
2:45
